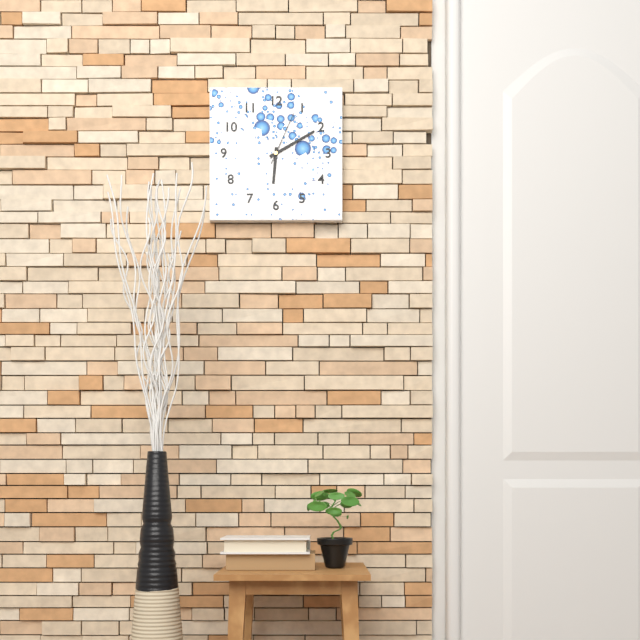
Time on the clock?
6:10:04
